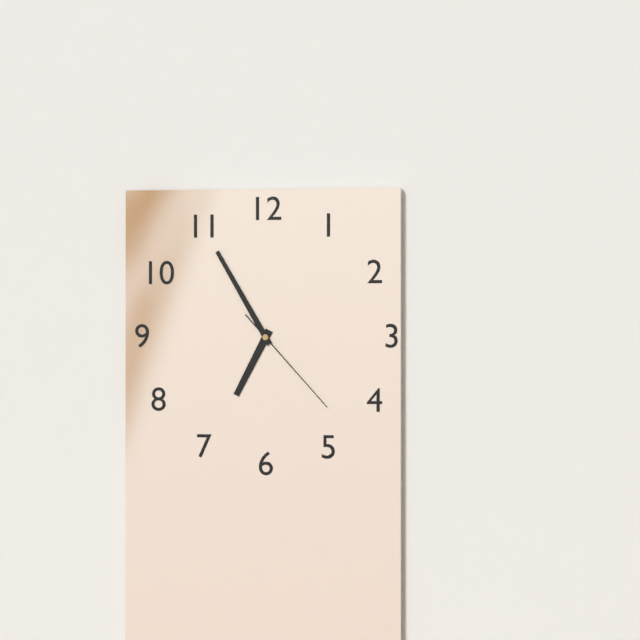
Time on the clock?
6:55:23
